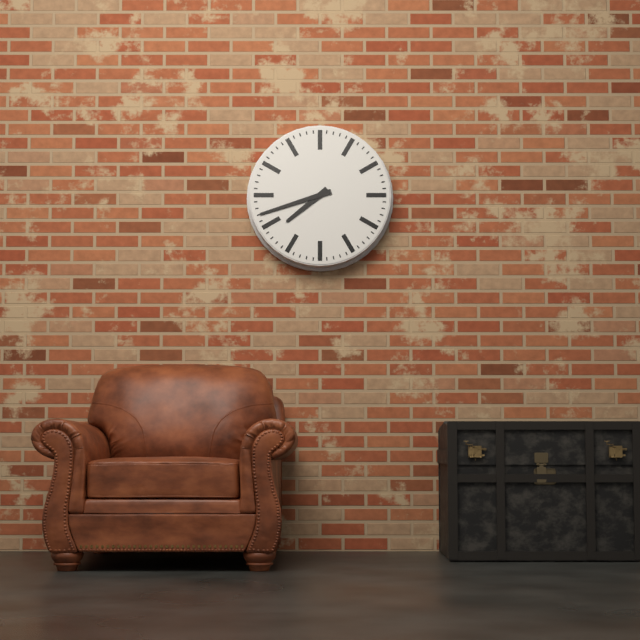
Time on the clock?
7:42
